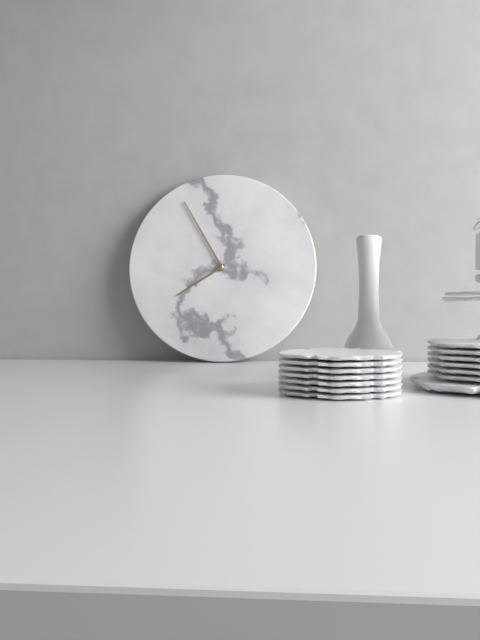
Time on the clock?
7:55
